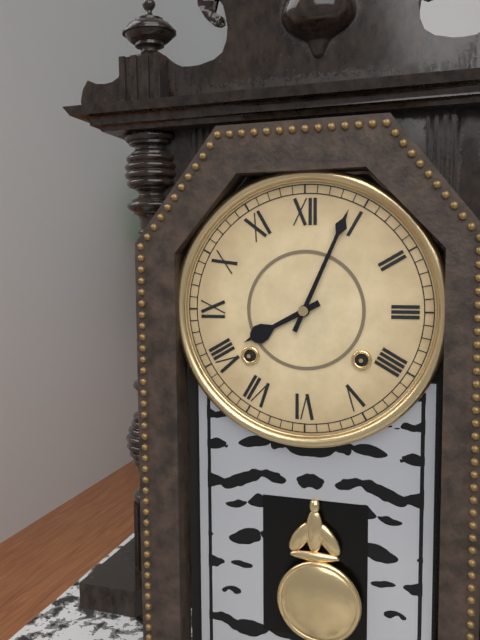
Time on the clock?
8:04
